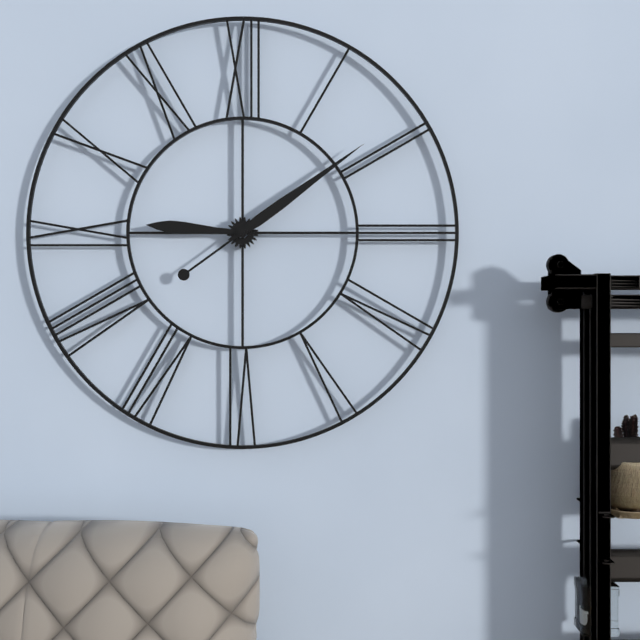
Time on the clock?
9:09
